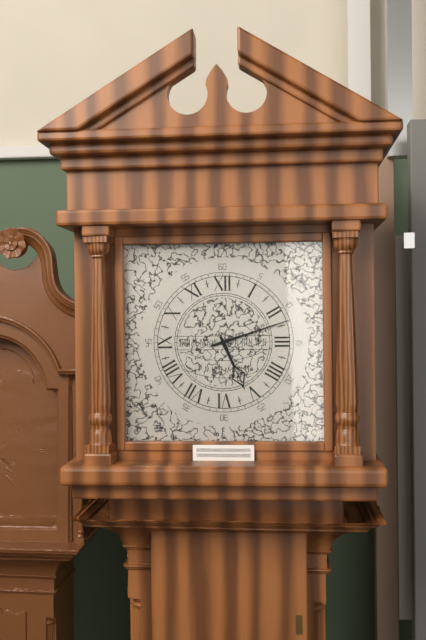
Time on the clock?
5:12
